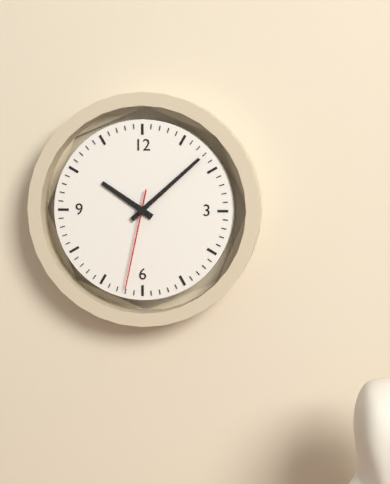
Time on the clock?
10:08:32
